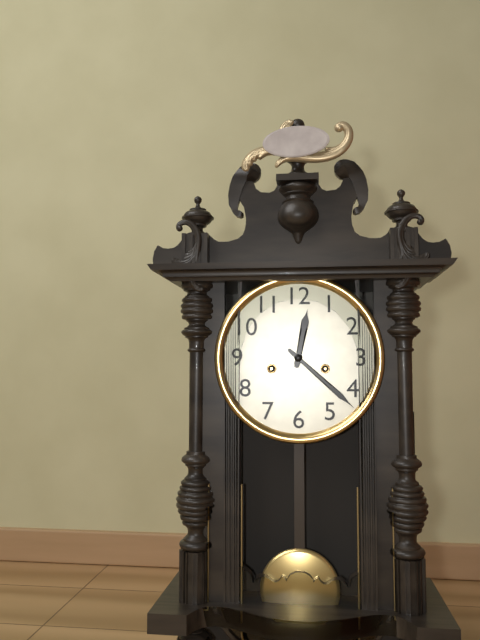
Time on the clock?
12:22
